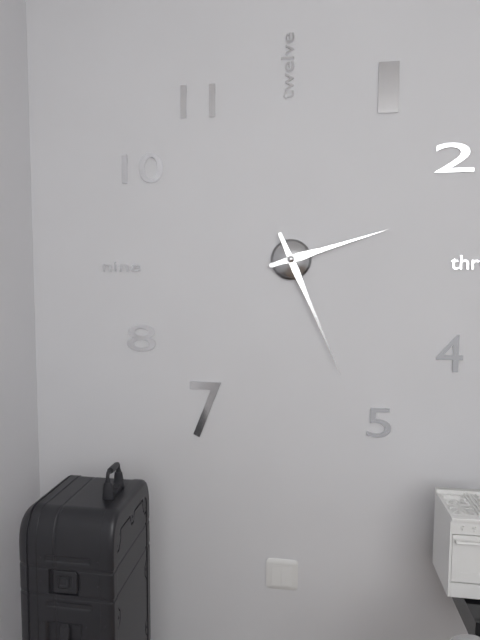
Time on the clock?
2:26
